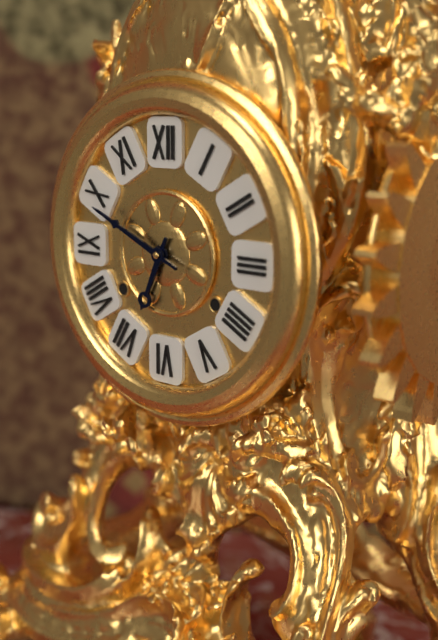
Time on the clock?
6:49
